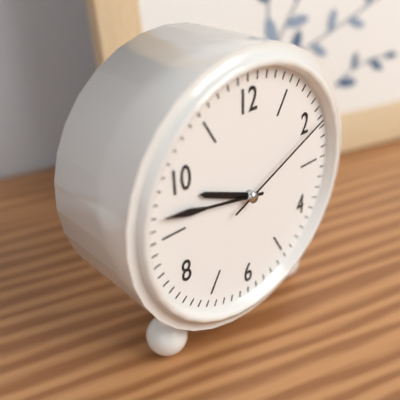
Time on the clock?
9:47:11
